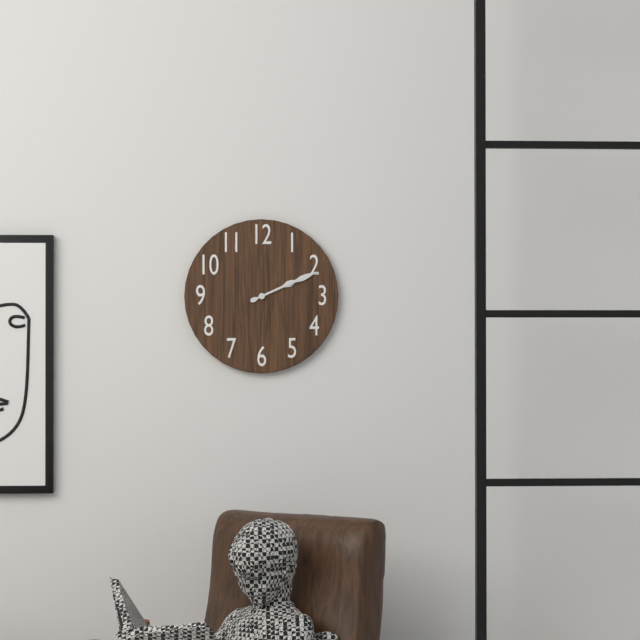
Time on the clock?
2:11
